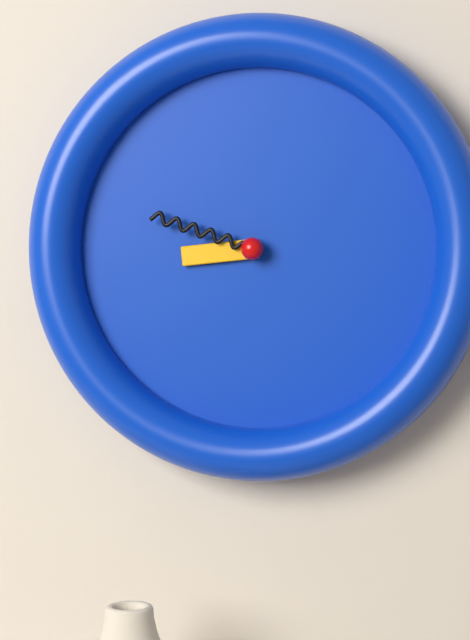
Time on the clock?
8:48
